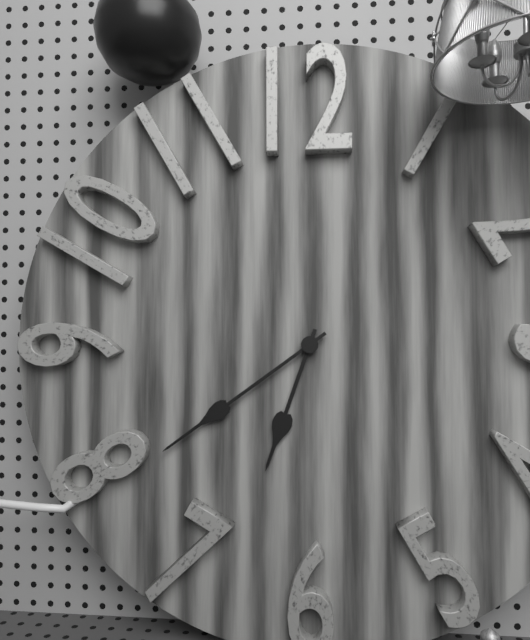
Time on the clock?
6:39
